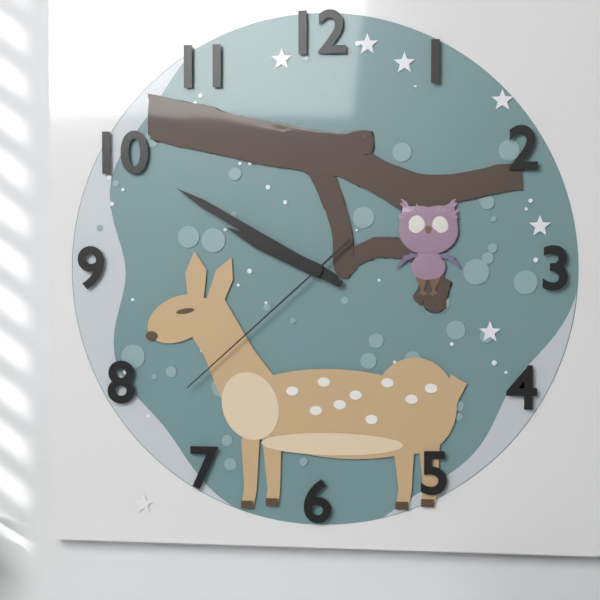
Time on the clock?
9:50:38
